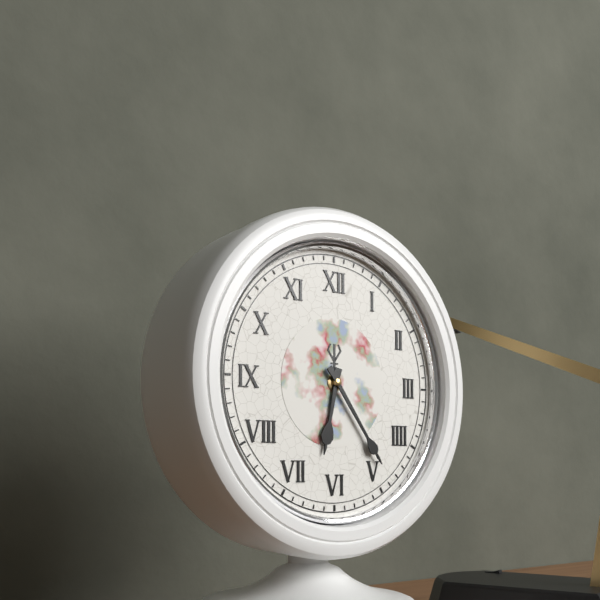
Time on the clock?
6:24
